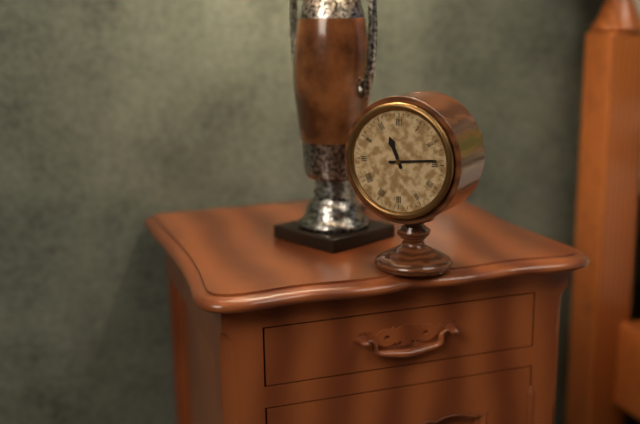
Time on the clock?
11:14
